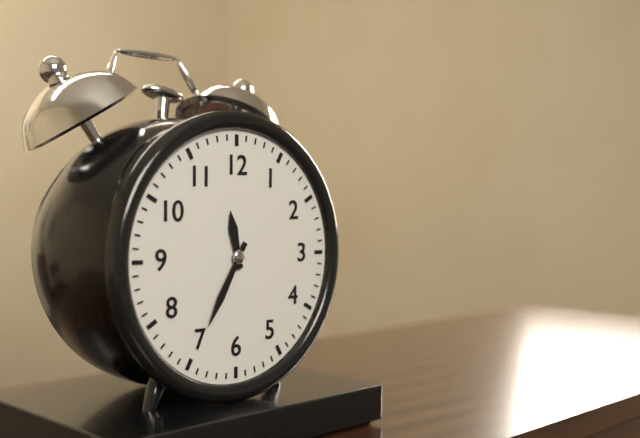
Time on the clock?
11:35
